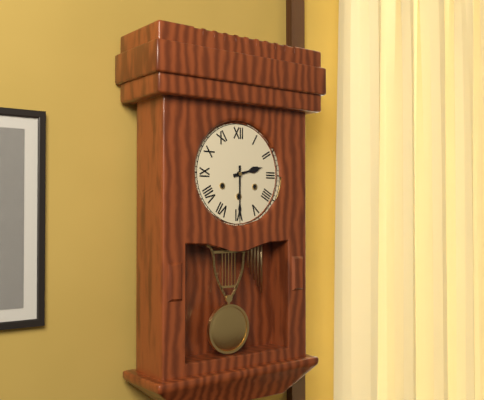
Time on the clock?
2:30
